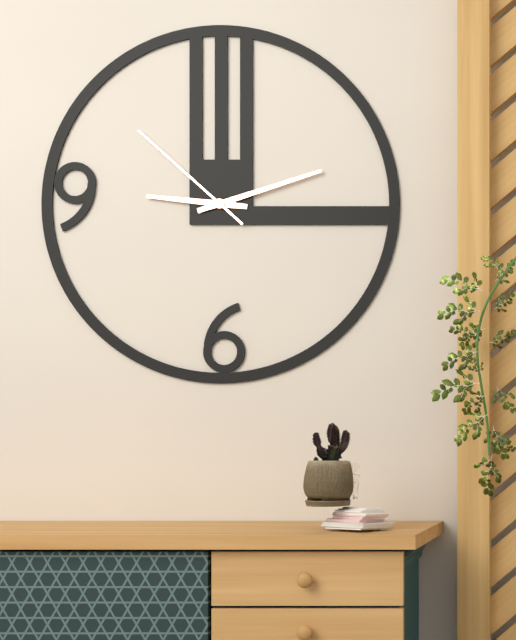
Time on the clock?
9:12:52
